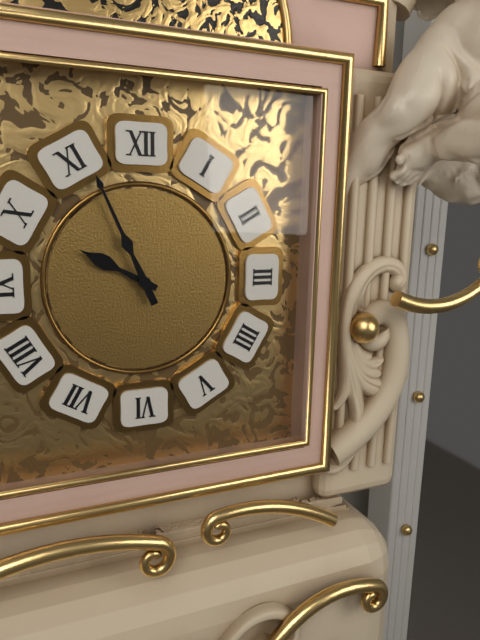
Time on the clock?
9:56
